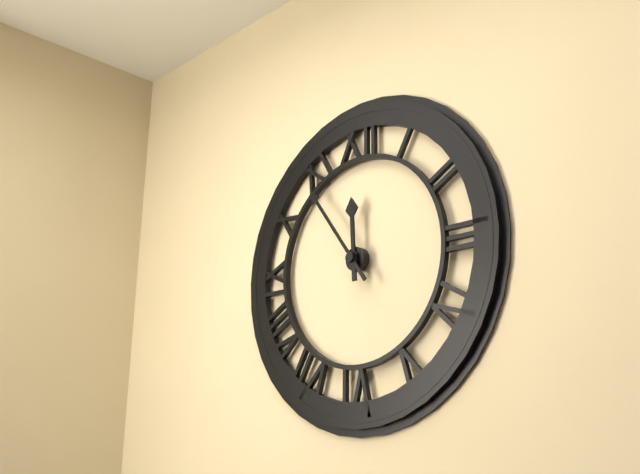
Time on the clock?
11:54
